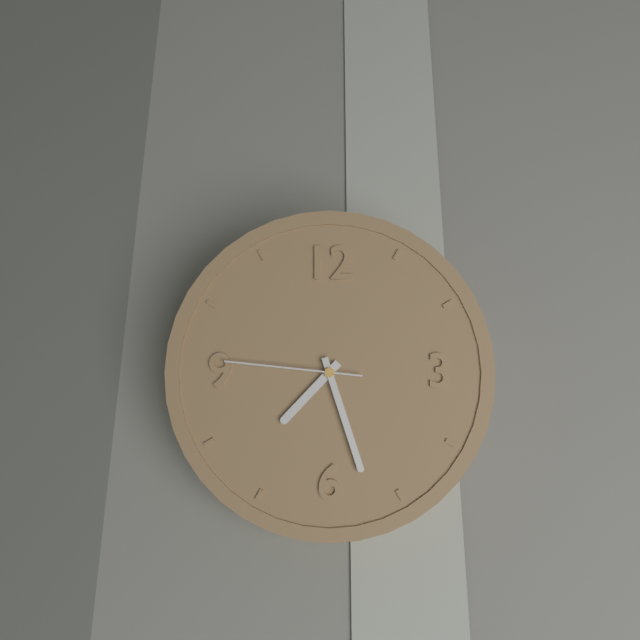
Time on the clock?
7:27:46
